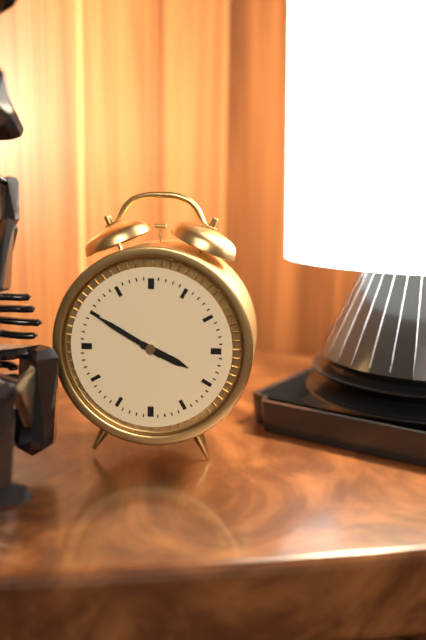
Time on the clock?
3:50
